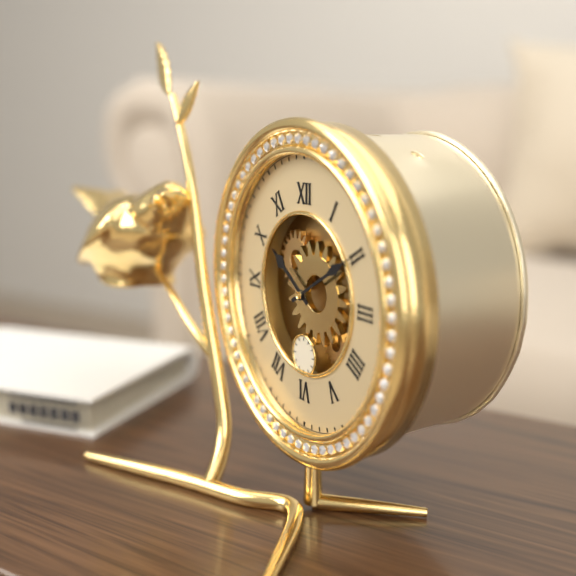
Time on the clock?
10:10
